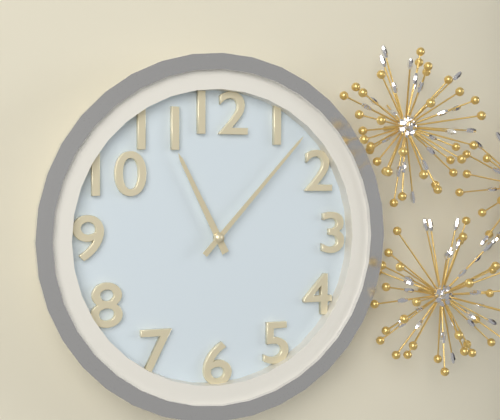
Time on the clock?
11:07
